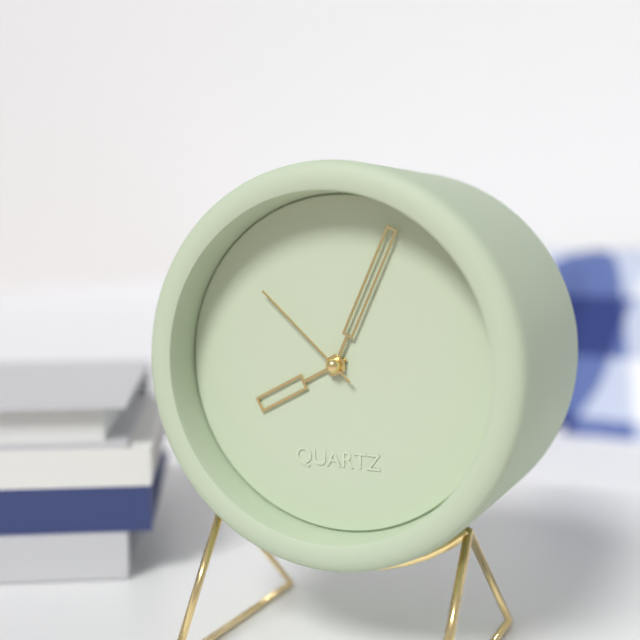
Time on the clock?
8:04:52
